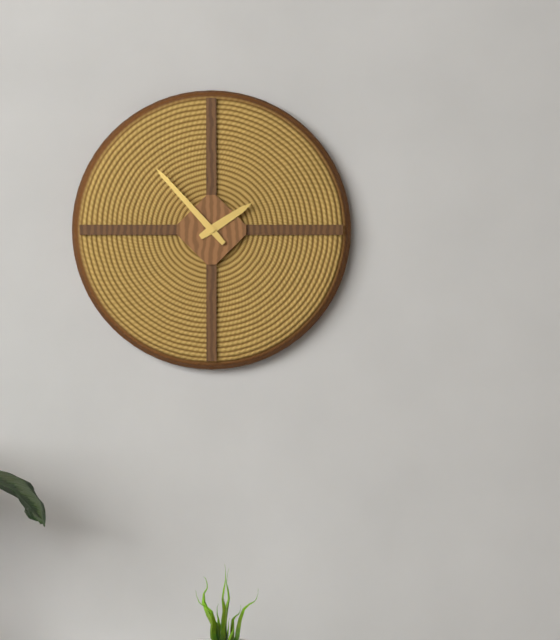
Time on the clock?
1:53
